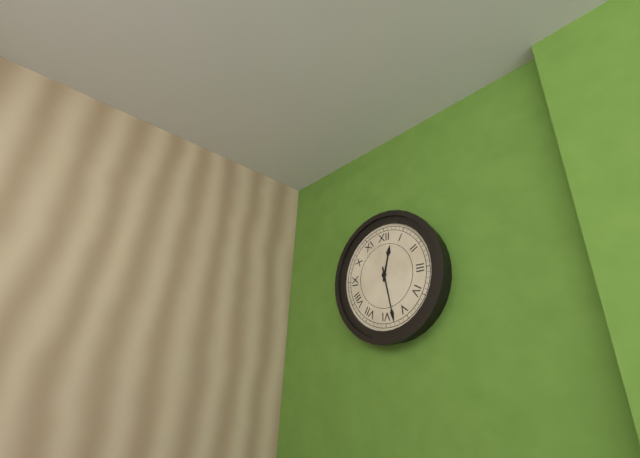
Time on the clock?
12:28
